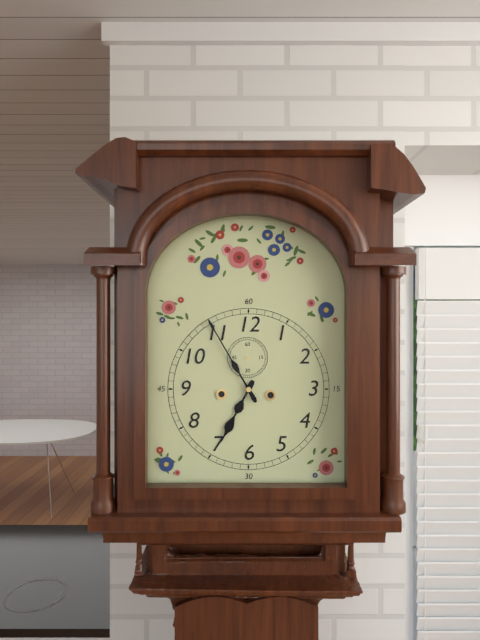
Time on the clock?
6:55
